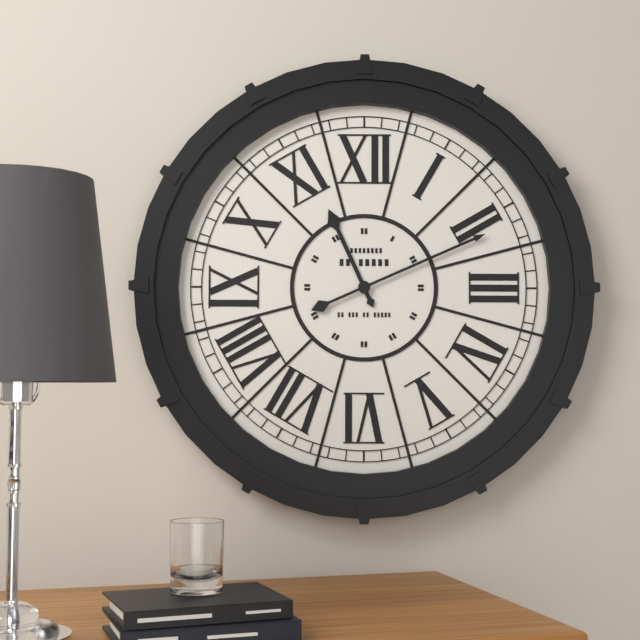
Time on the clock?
11:11
